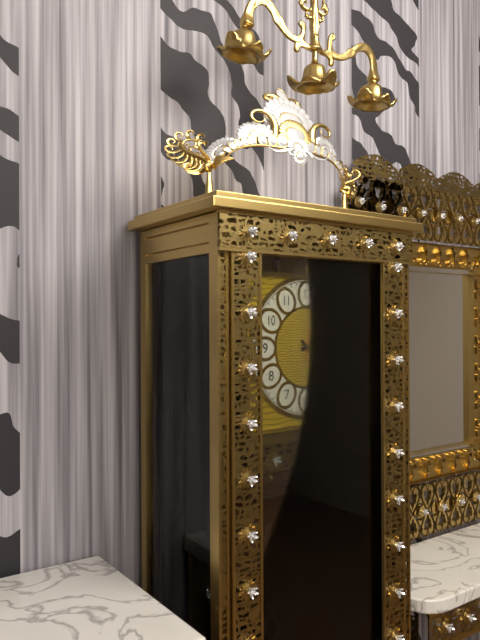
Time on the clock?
2:22:02
